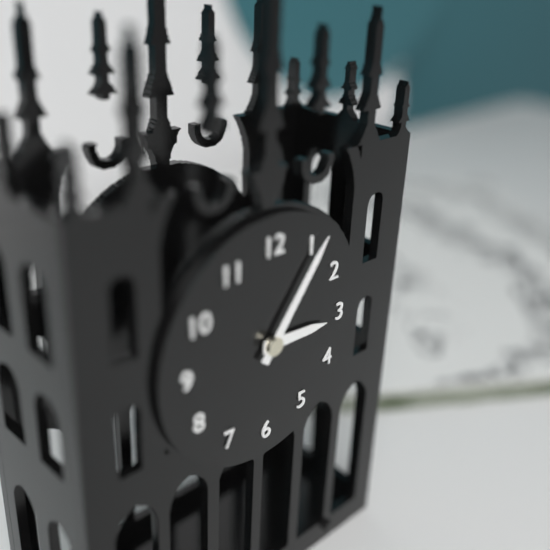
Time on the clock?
3:06
